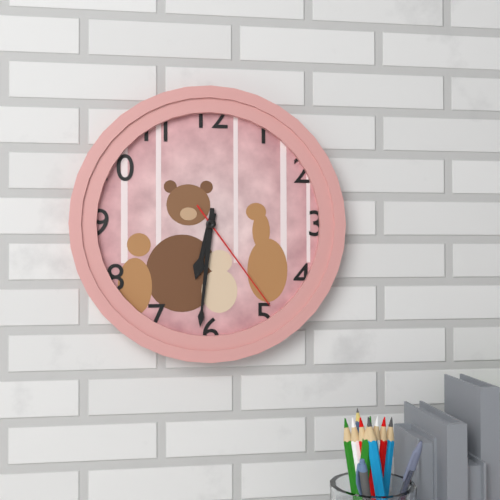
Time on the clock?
6:31:24
